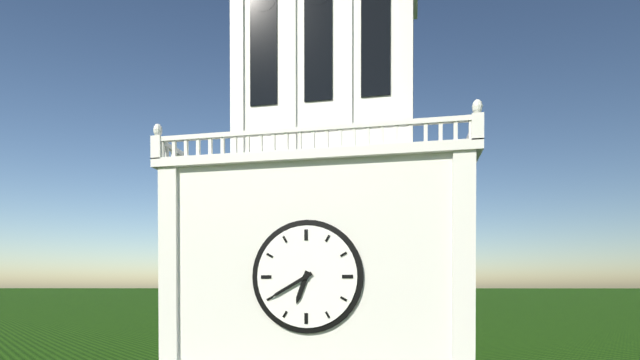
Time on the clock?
6:40
